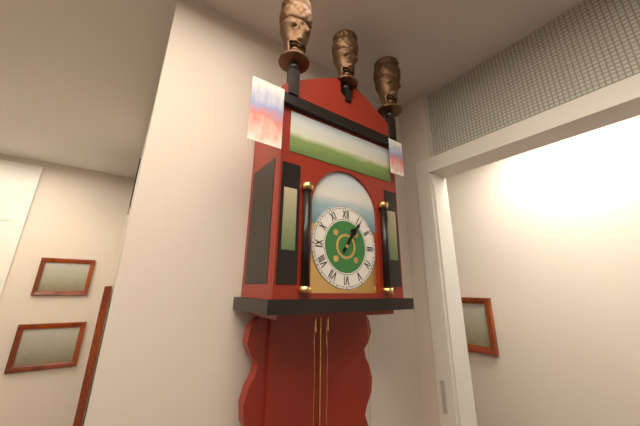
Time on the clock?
1:06
